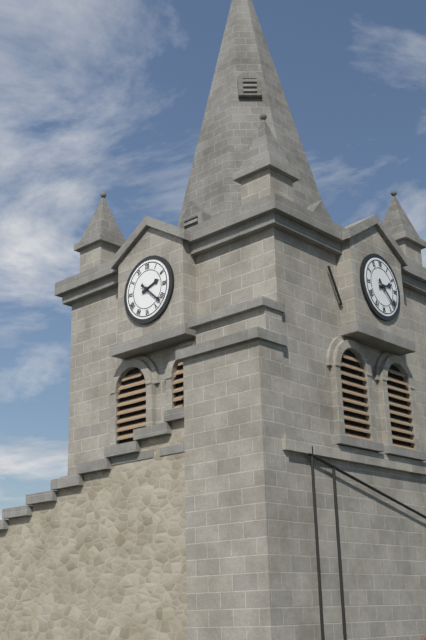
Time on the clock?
2:22
